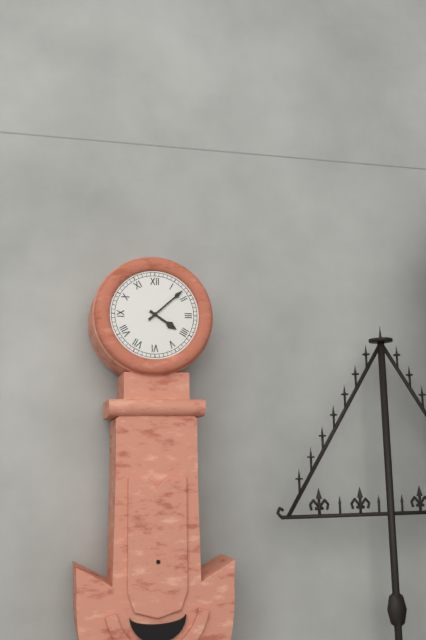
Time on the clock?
4:08
